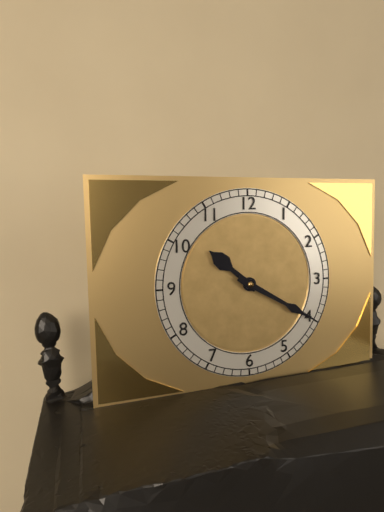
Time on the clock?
10:20
